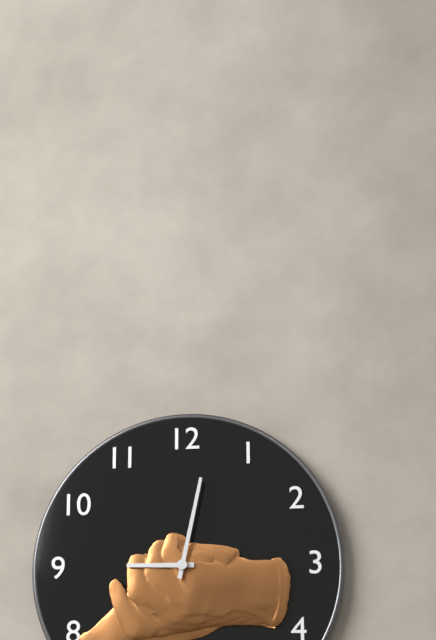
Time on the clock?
9:02
